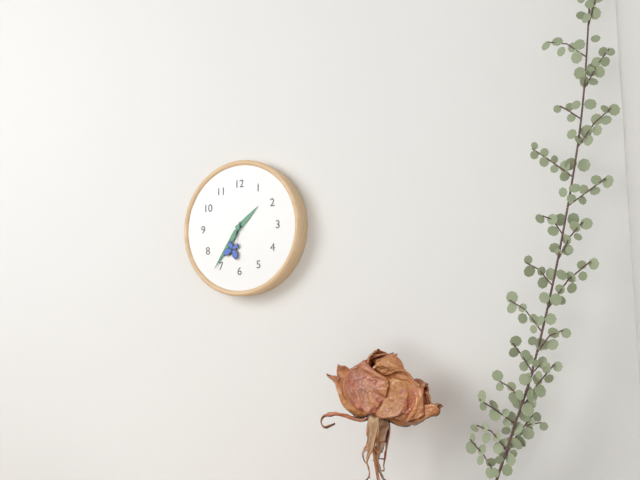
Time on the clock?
1:36
